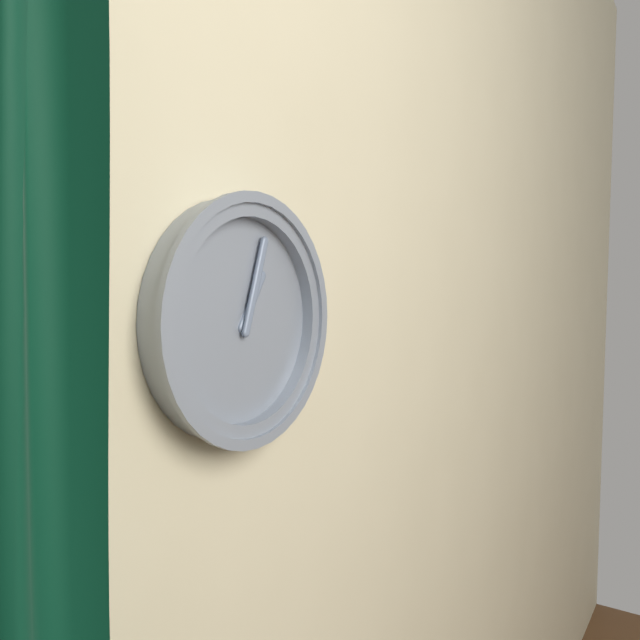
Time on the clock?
1:03
